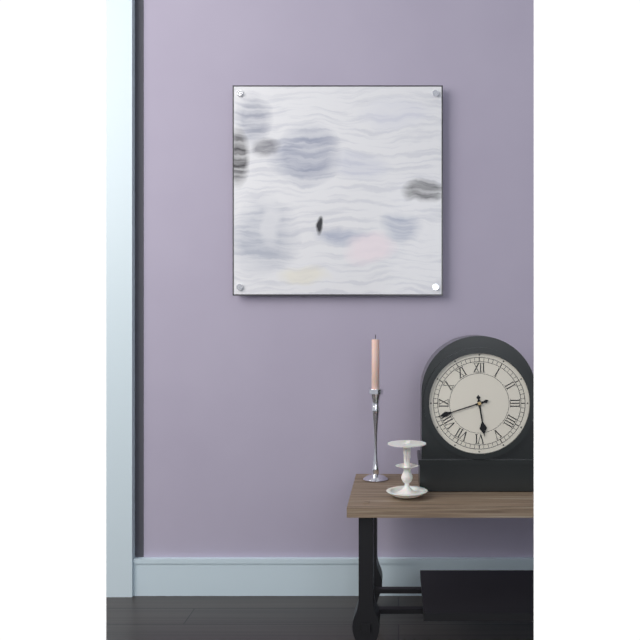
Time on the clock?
5:42
